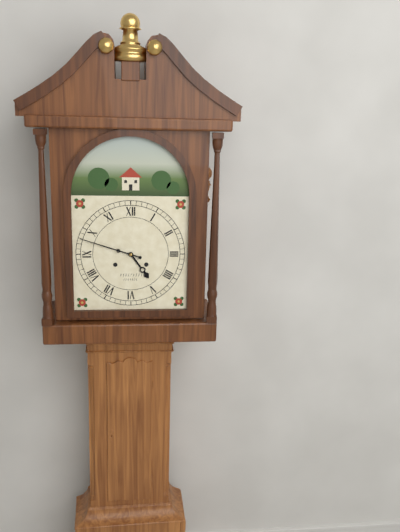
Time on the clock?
4:48
